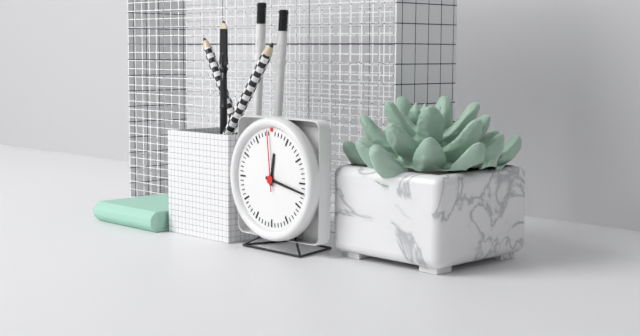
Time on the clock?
12:17:59
